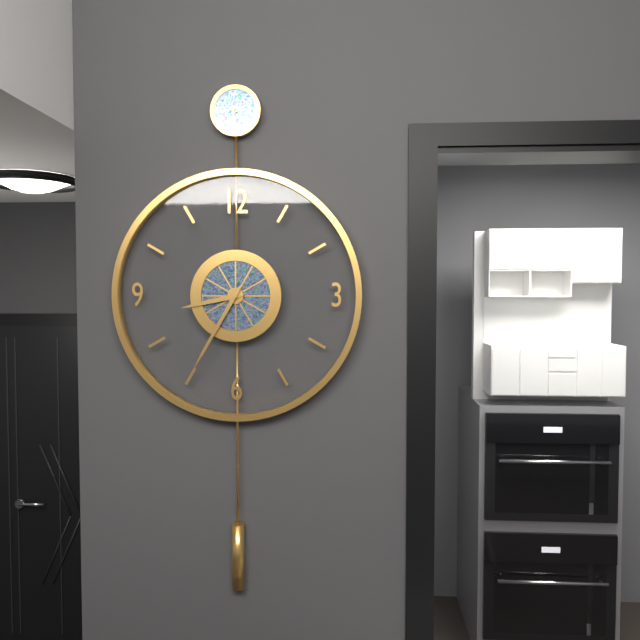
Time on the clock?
8:35
